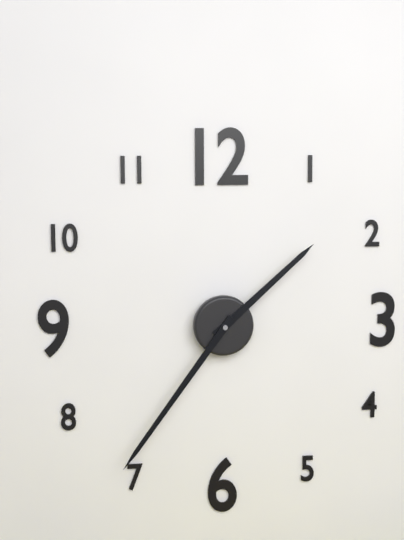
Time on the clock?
1:36
